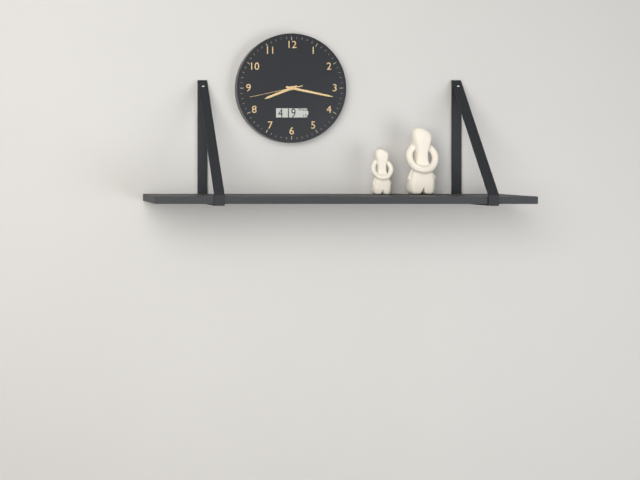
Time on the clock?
8:17:43
